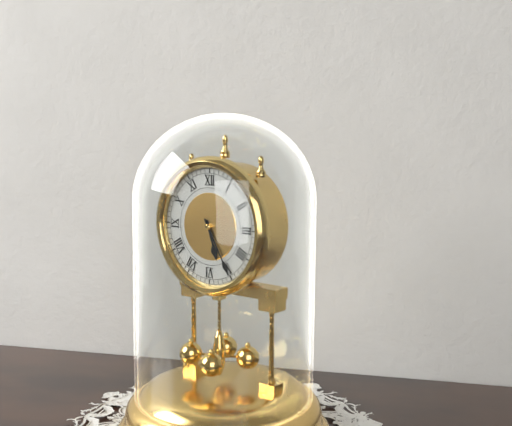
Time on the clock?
5:25
